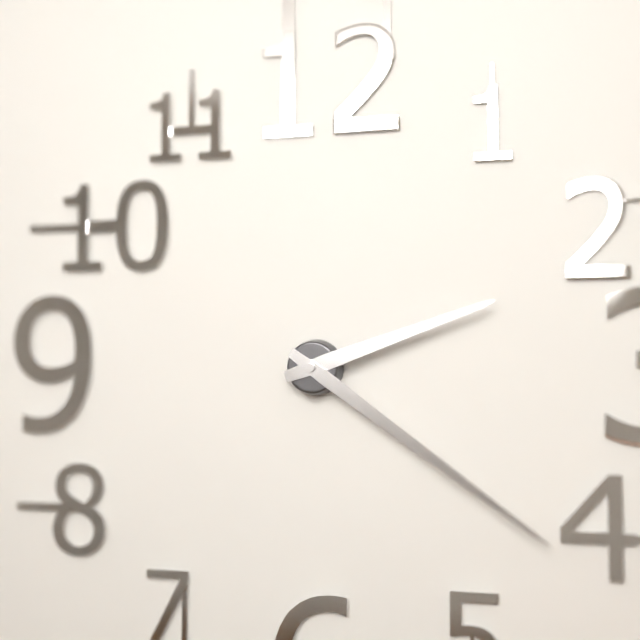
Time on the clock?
2:21
